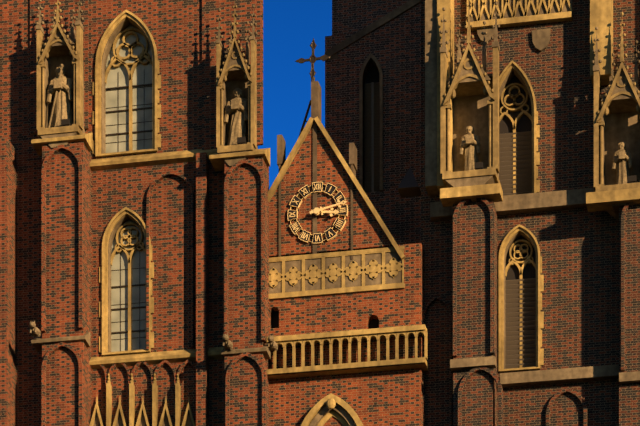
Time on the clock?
3:13
